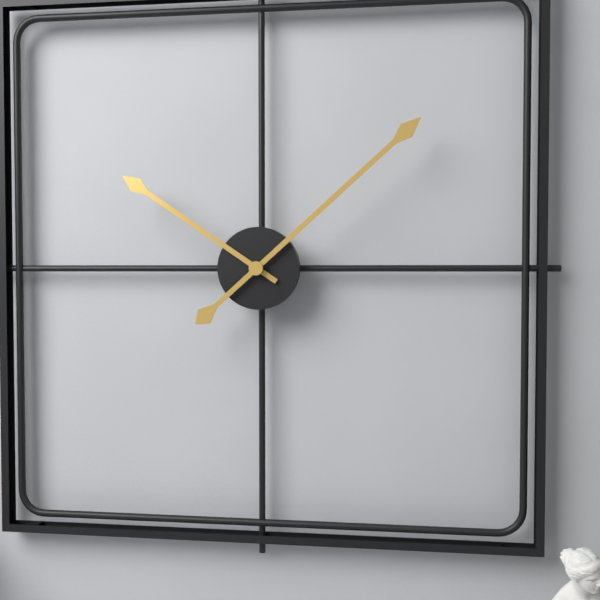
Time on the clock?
10:08
